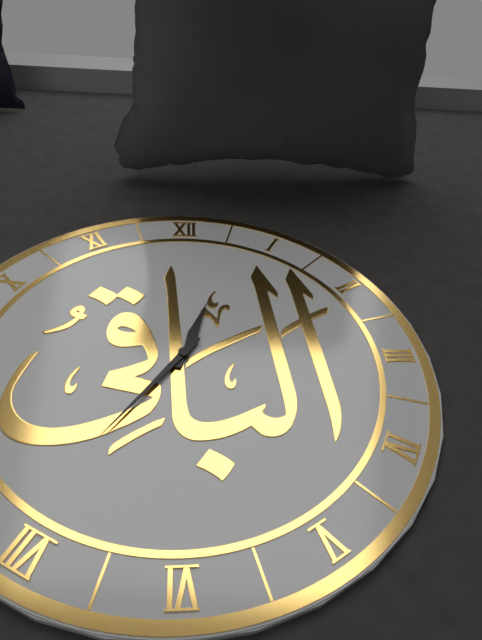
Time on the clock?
12:36
